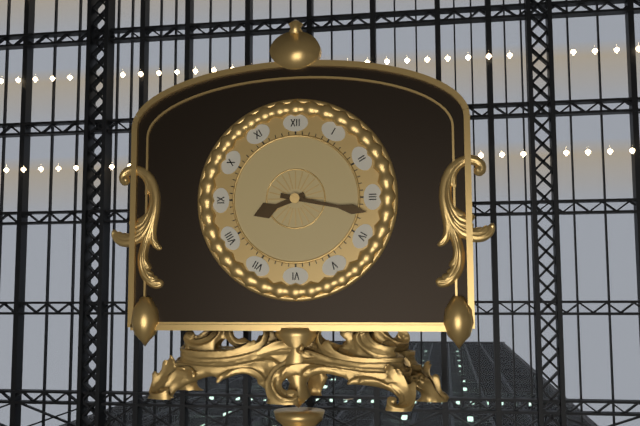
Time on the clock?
8:17
